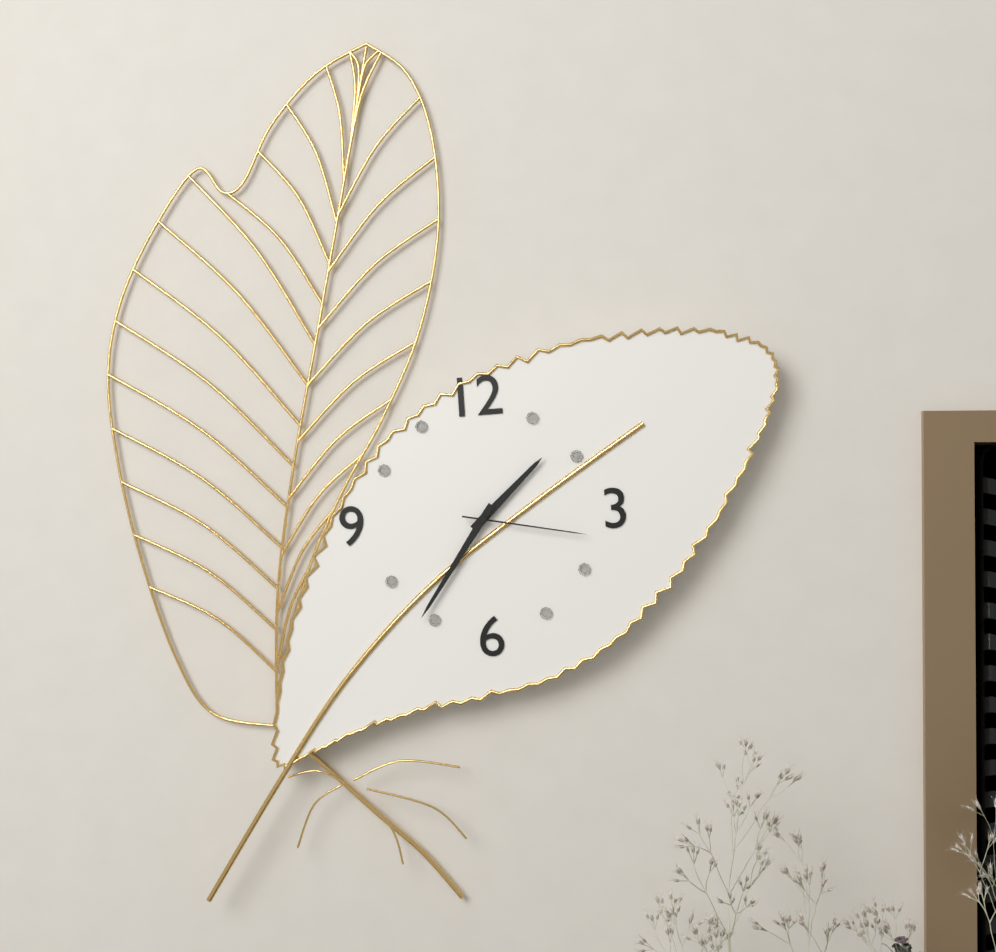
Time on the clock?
1:36:17
